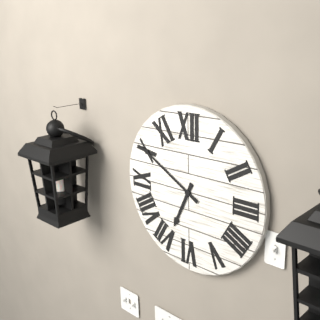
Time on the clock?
6:50
